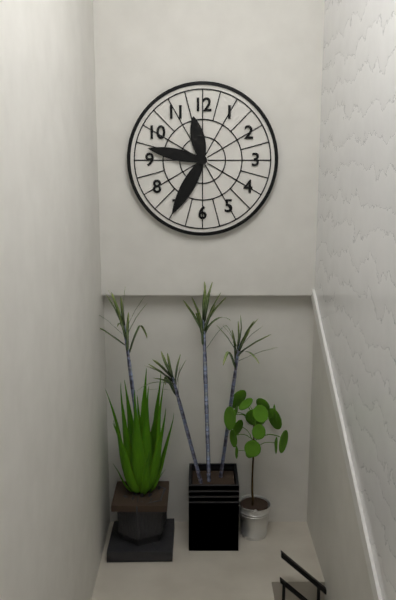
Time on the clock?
11:35:47
